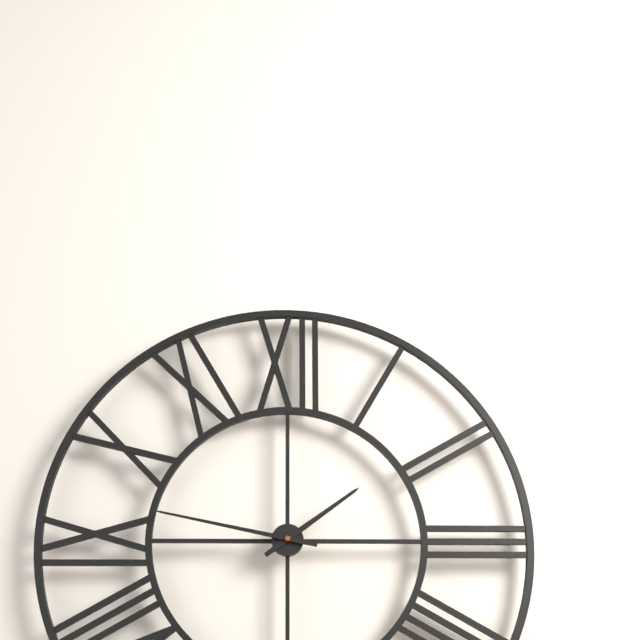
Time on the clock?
1:47
